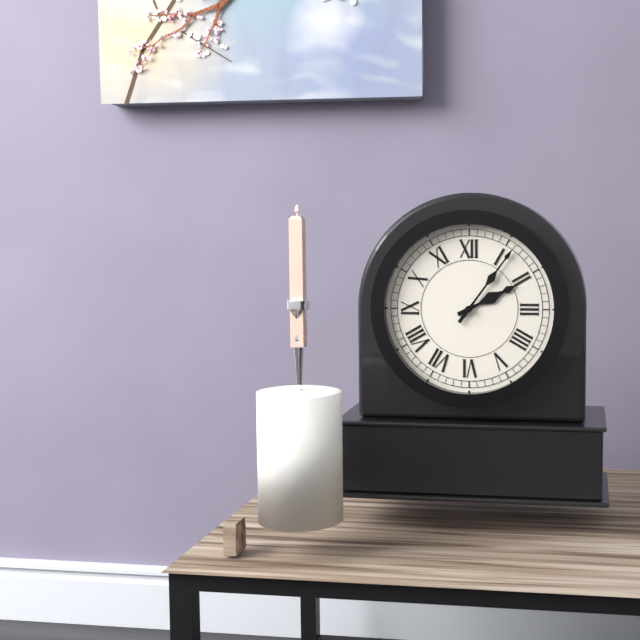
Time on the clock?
2:06
